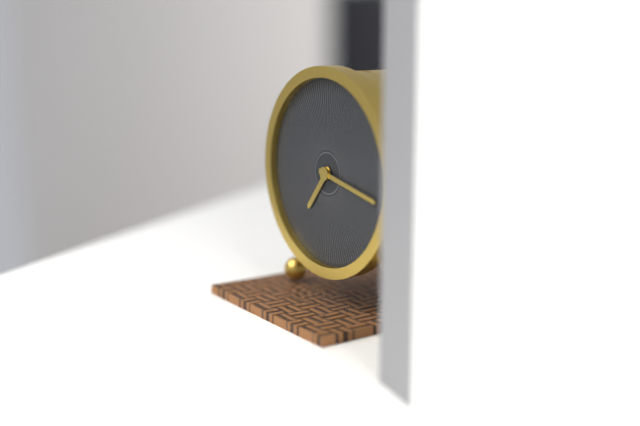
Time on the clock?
7:17
